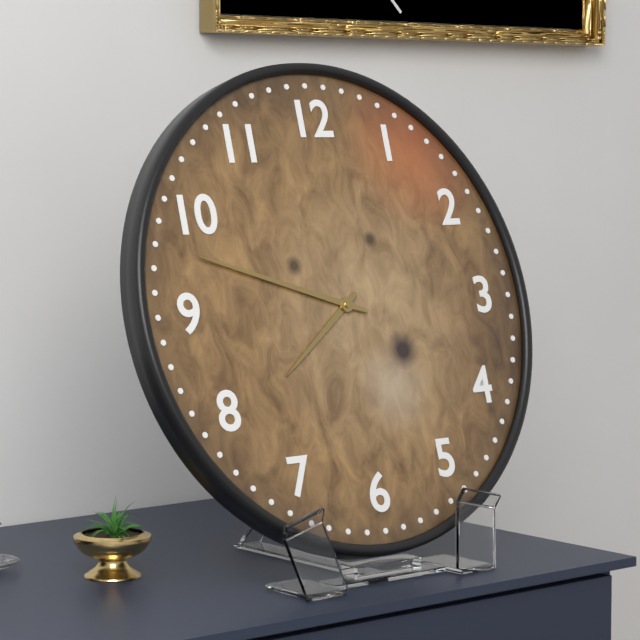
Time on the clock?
7:48
